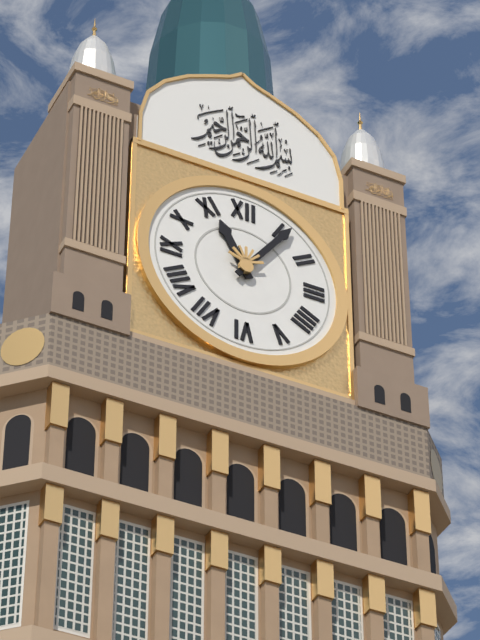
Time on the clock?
11:06
